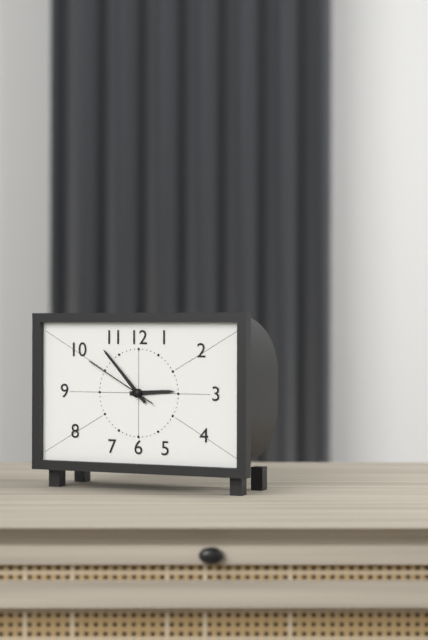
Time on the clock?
2:53:50
